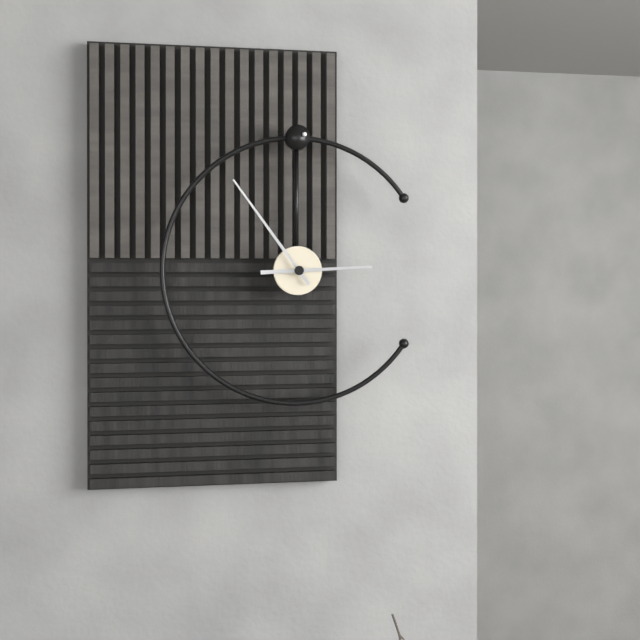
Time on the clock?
2:54
